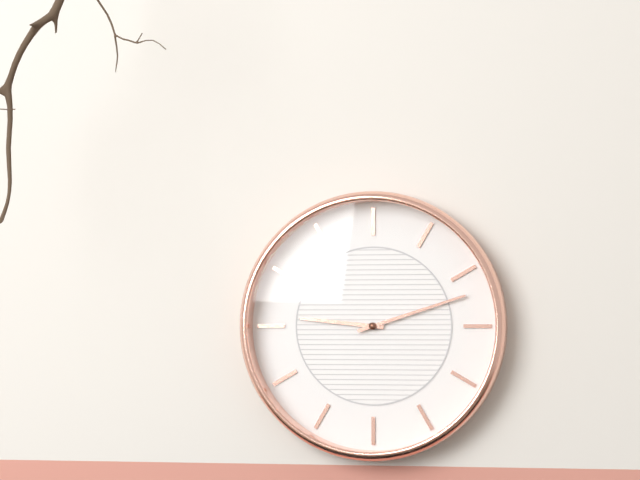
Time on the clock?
9:12
